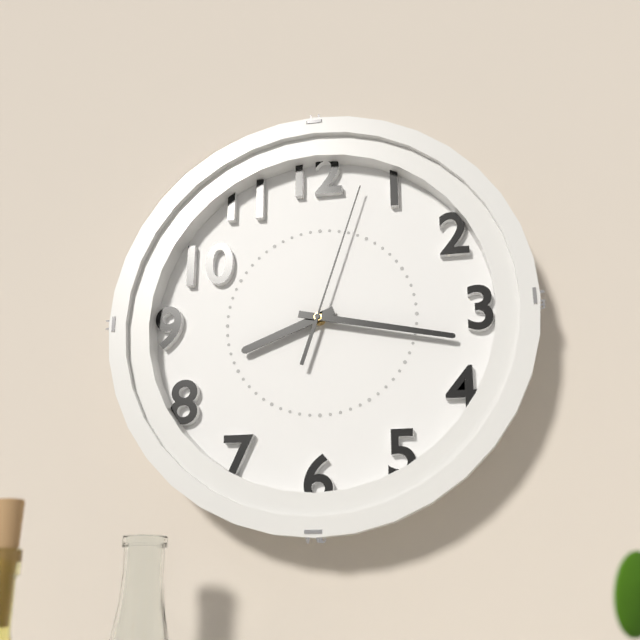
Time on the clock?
8:17:03
